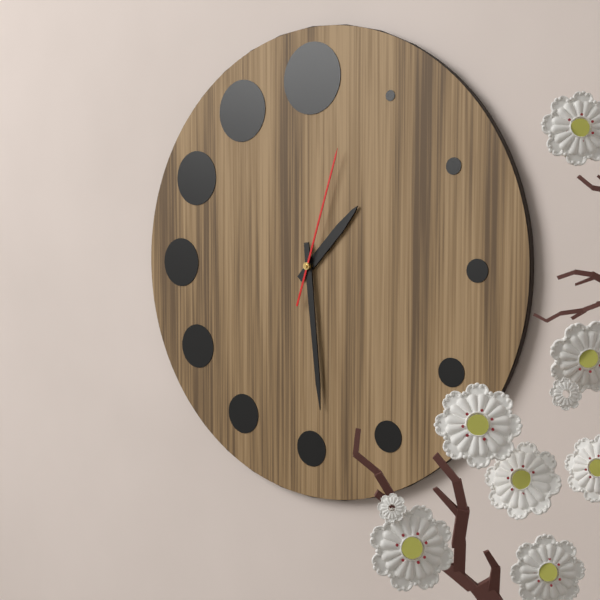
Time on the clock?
1:29:03
